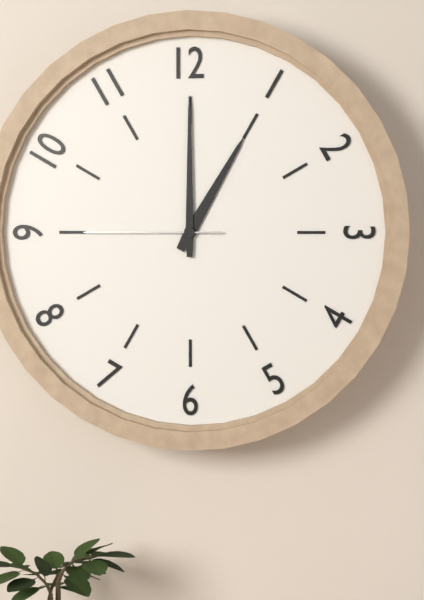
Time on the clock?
1:00:45
